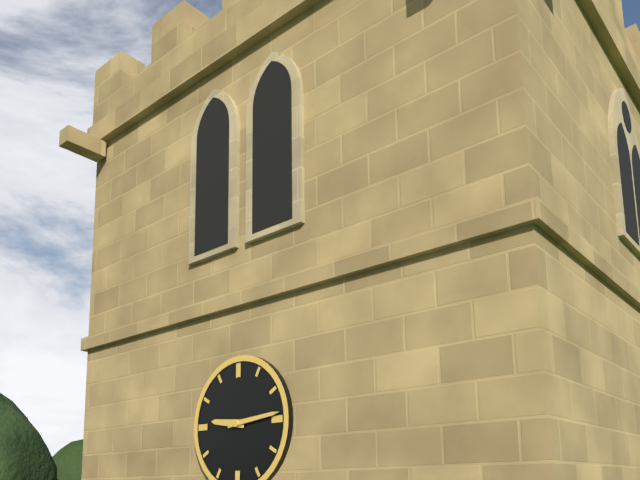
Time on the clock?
9:14
